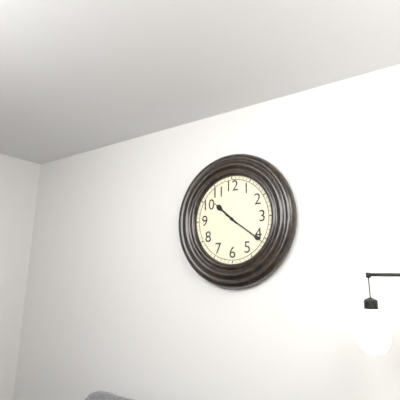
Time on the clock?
10:21
